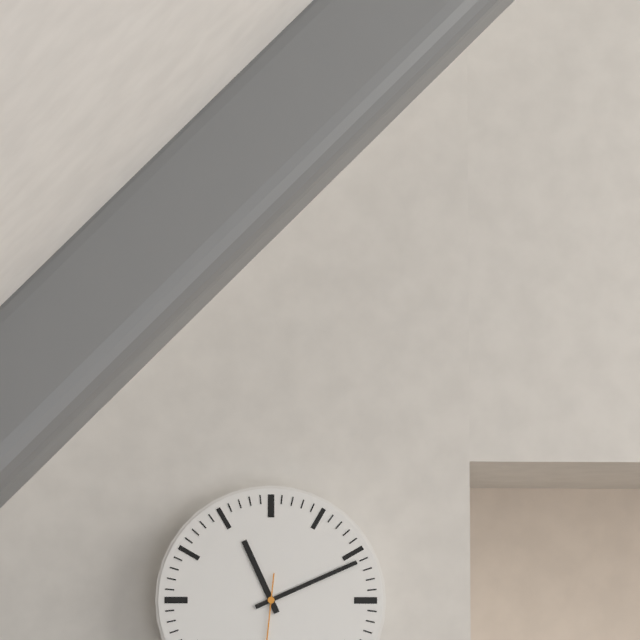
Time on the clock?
11:11
